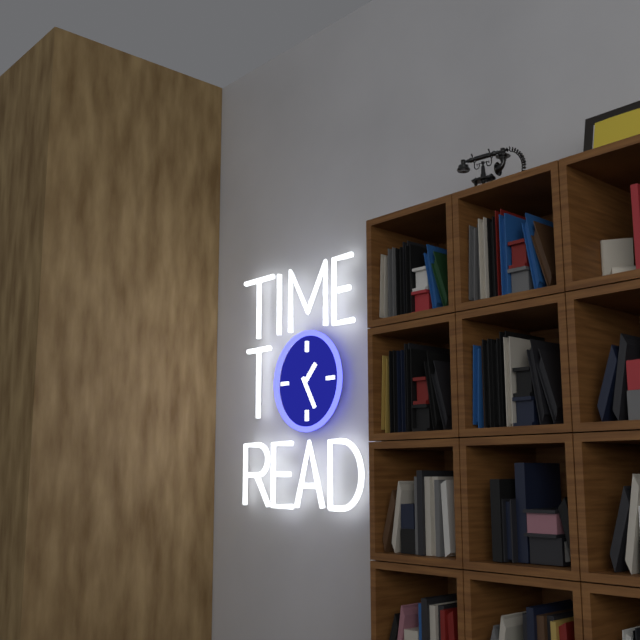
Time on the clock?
1:25
